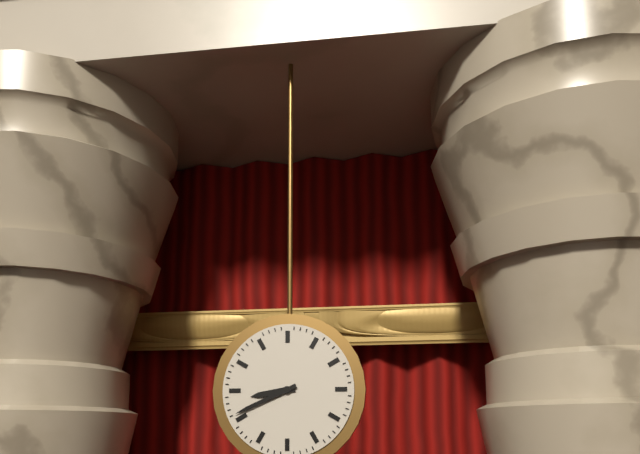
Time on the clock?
8:41
